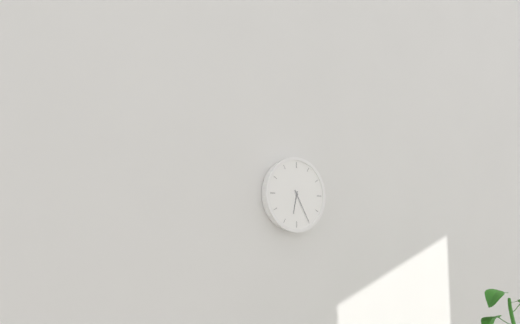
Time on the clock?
6:25
